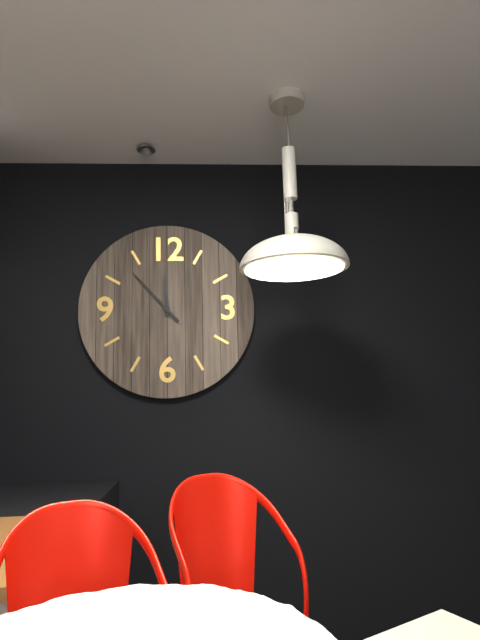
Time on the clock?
11:53
